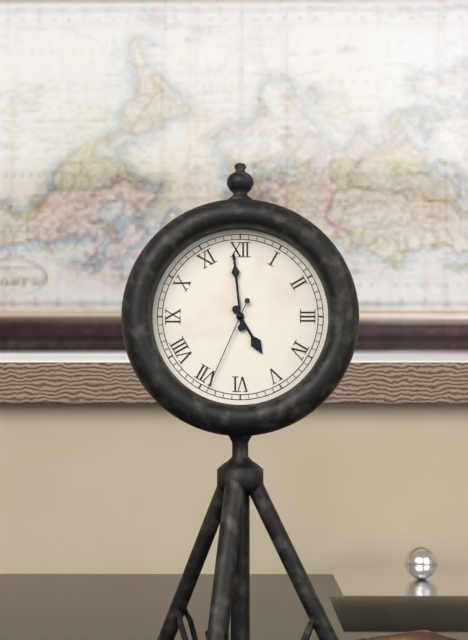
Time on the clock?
4:59:34
